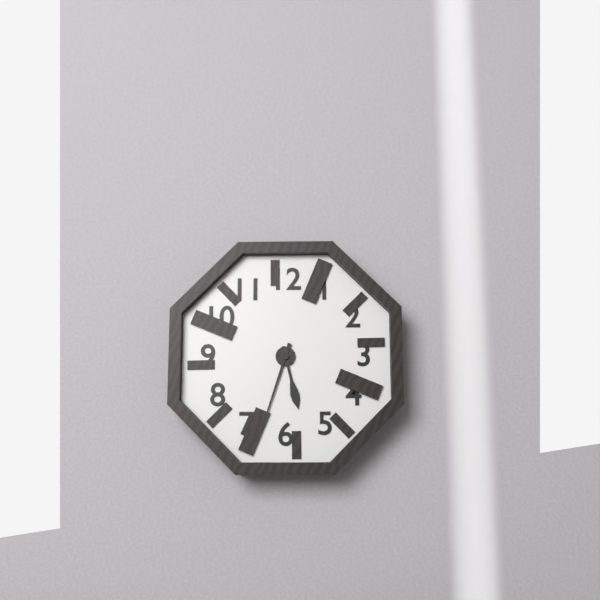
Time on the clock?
5:33
